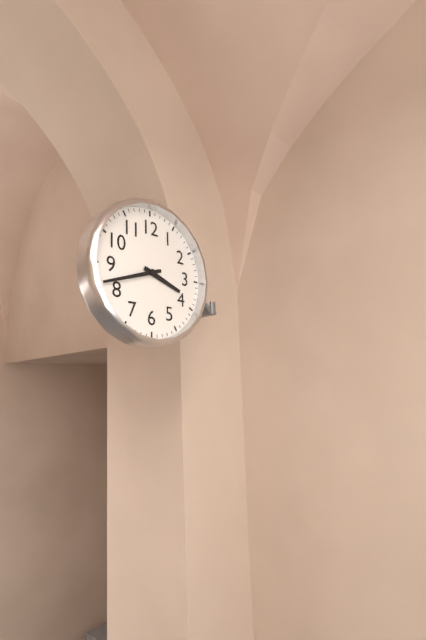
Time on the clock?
3:42
